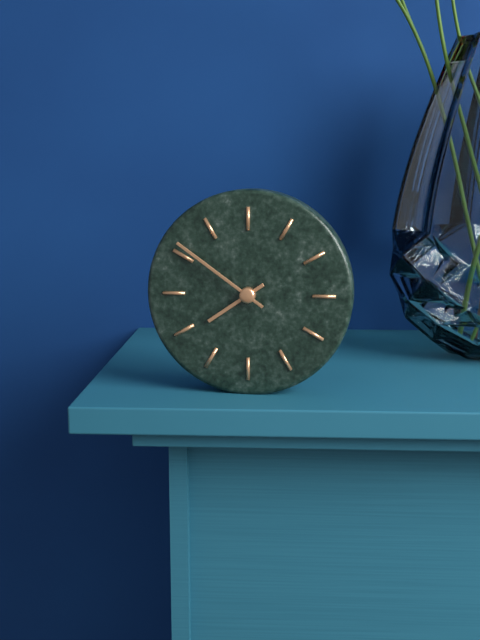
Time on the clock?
7:51
